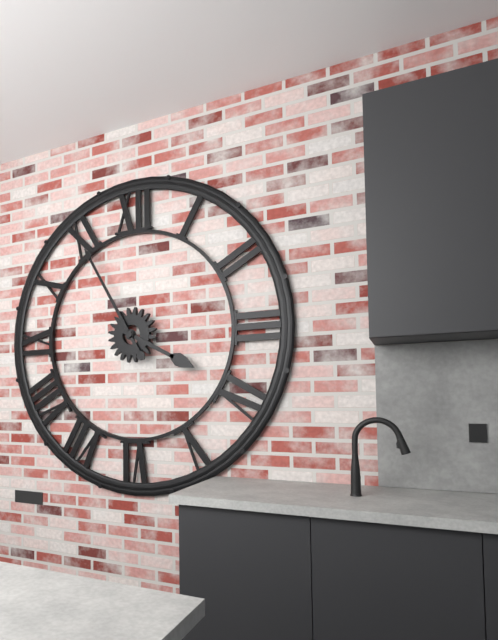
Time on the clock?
3:55
